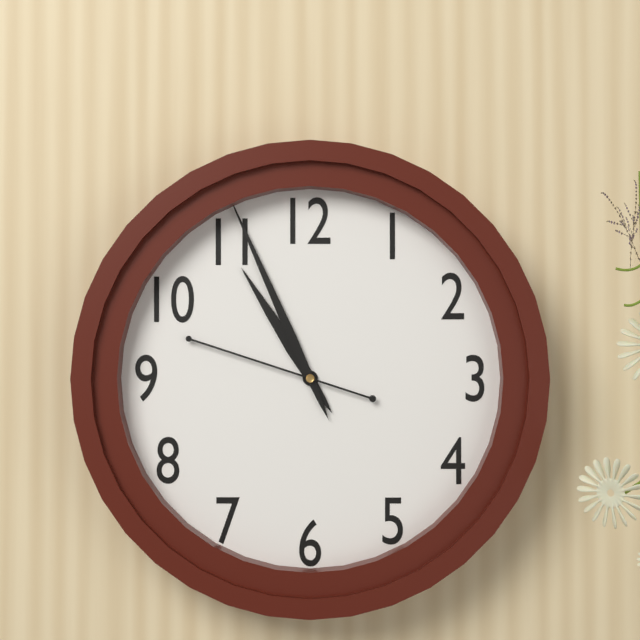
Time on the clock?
10:56:48
